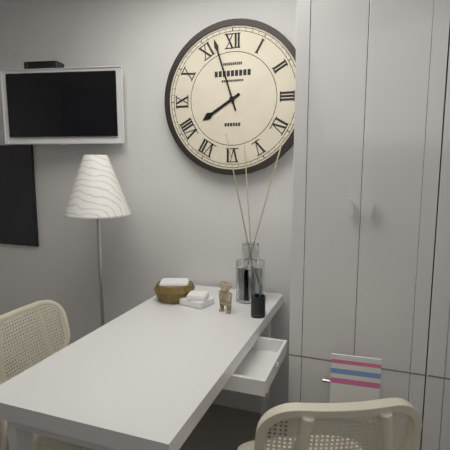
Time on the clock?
7:57
